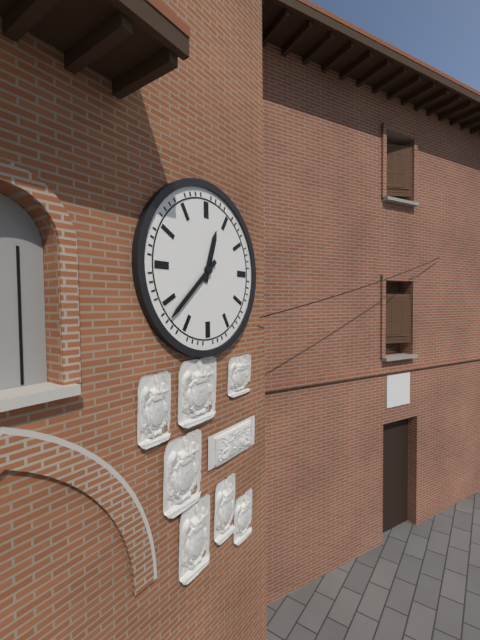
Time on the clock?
12:38
